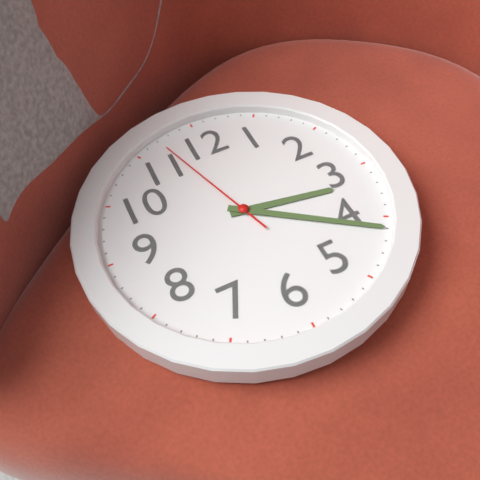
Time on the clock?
3:21:57
